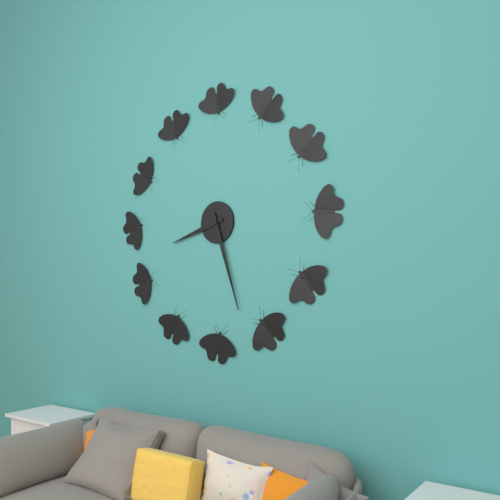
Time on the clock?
8:27
